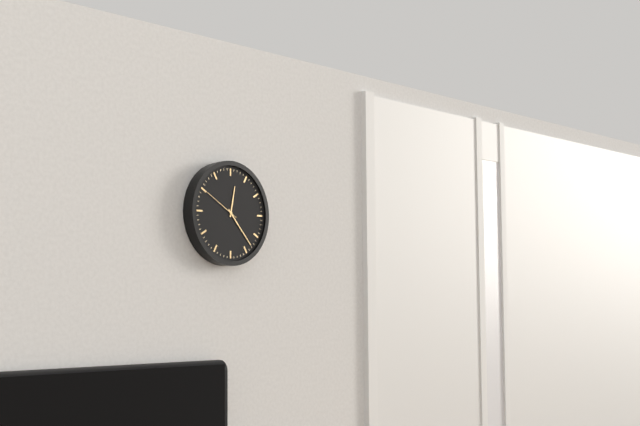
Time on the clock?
12:23
